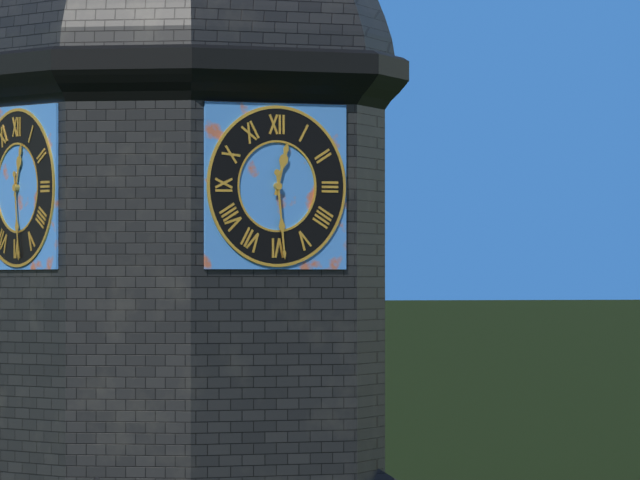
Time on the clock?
12:29
